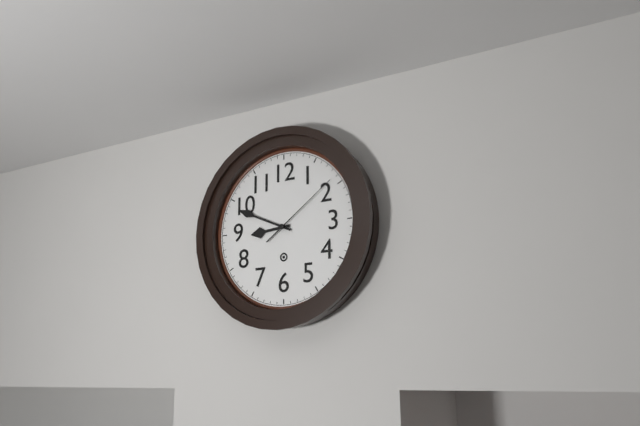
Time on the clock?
8:49:09
